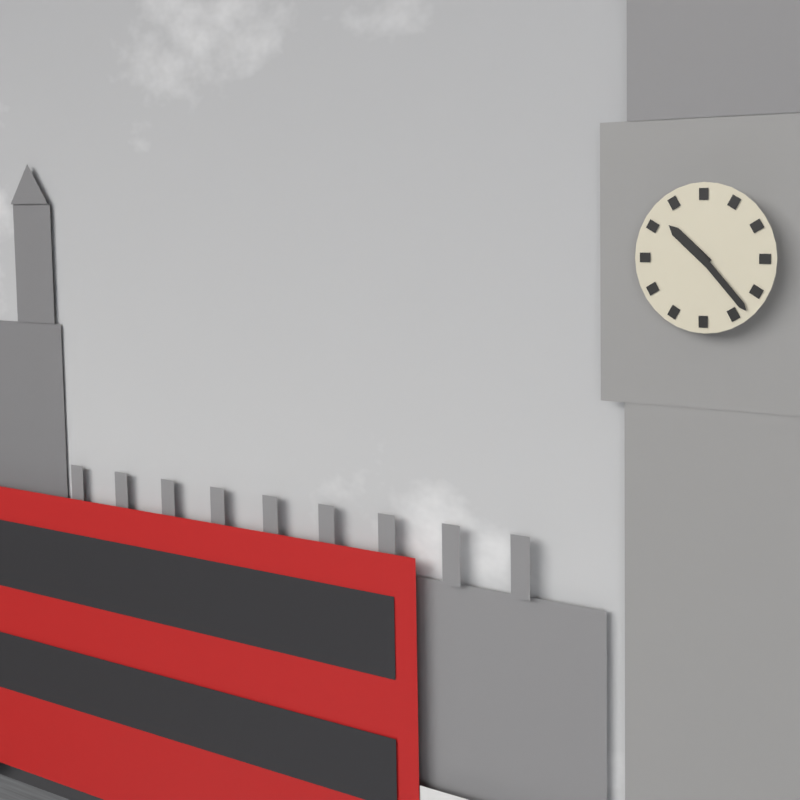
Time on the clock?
10:23
